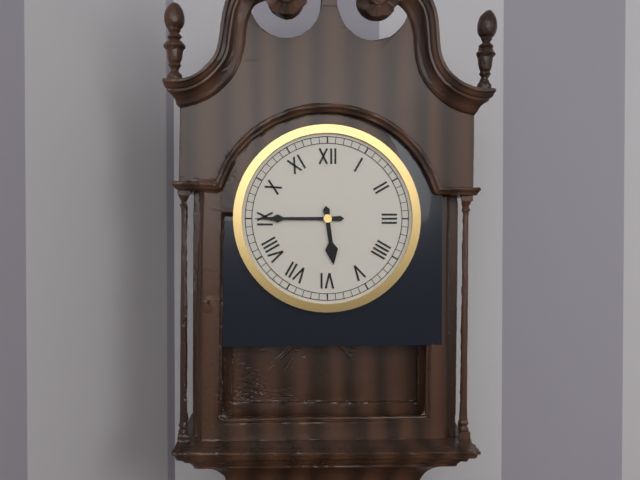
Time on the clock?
5:45
